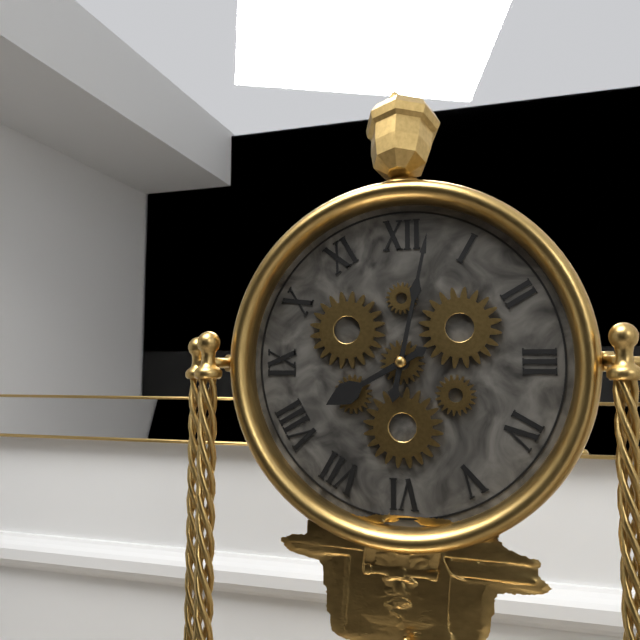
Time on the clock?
8:02
